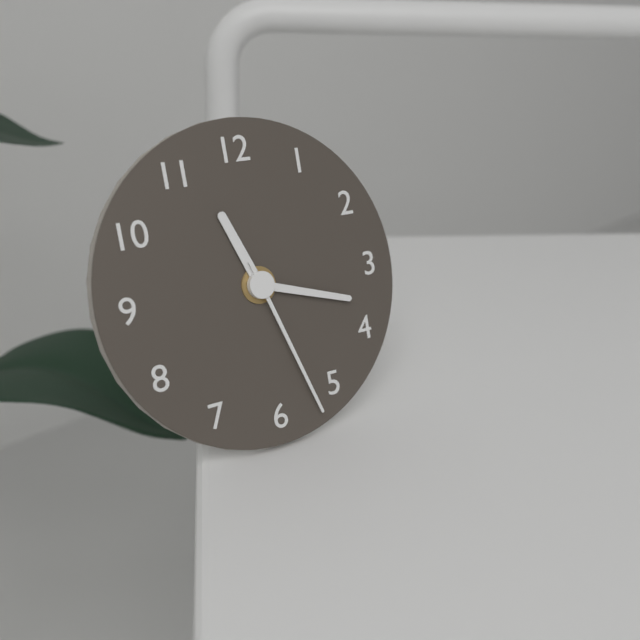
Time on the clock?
11:18:27
